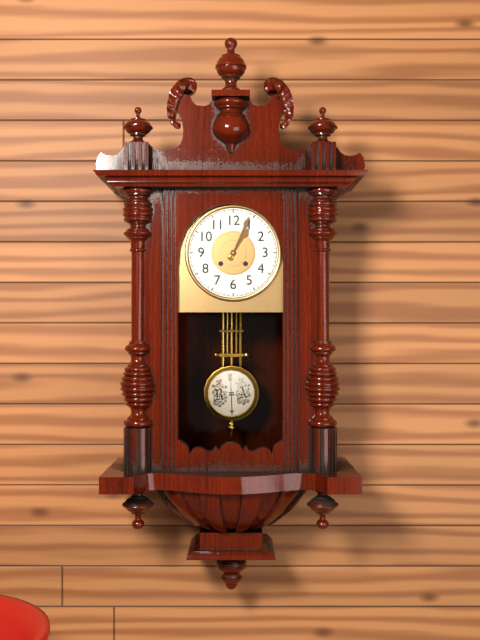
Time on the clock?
1:04
